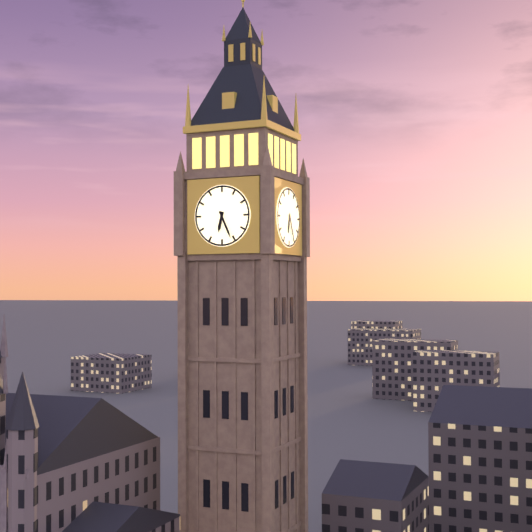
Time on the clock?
6:26
